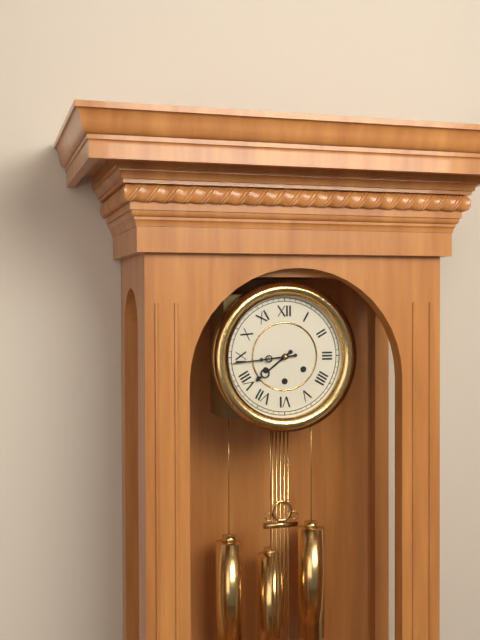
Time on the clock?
7:44
